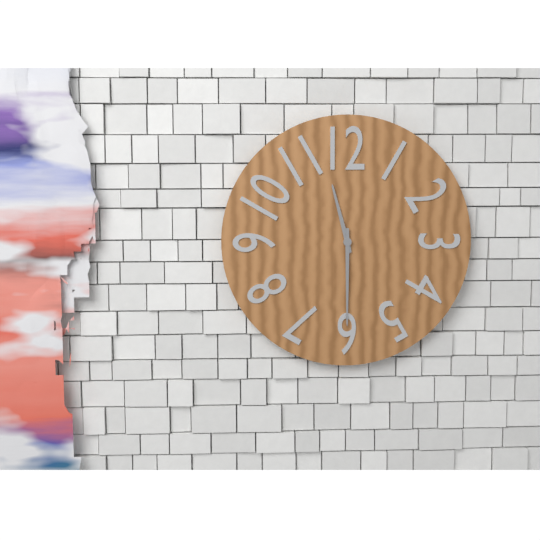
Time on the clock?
11:30
